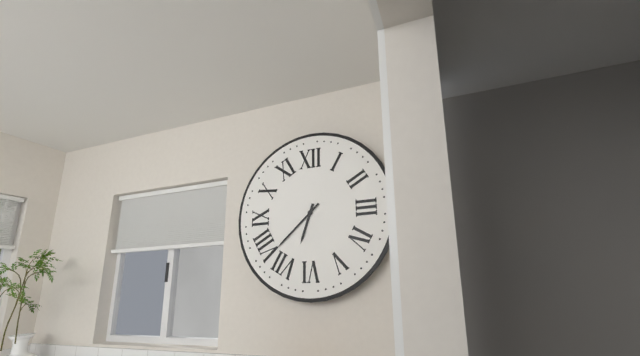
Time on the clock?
6:38
